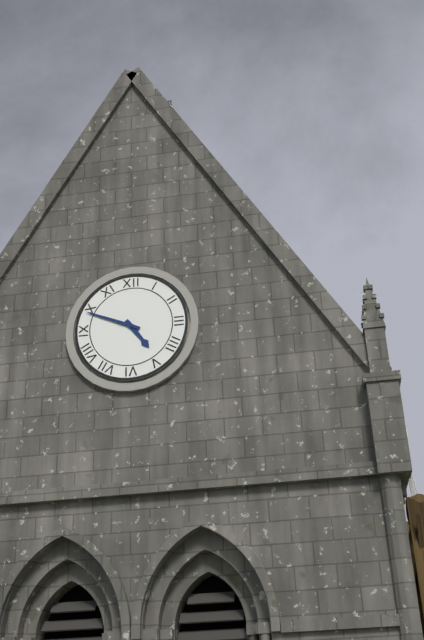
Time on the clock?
4:49
